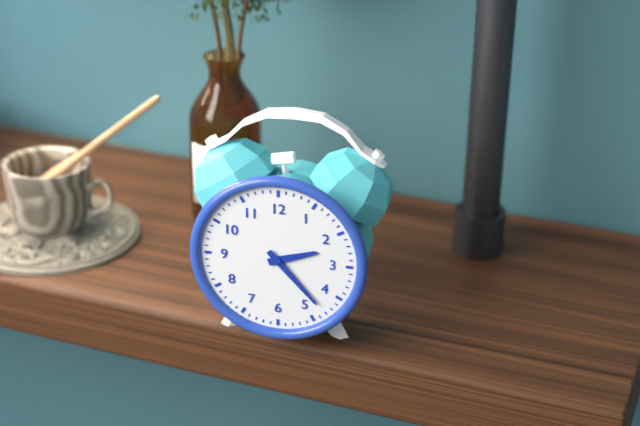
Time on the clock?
2:23
